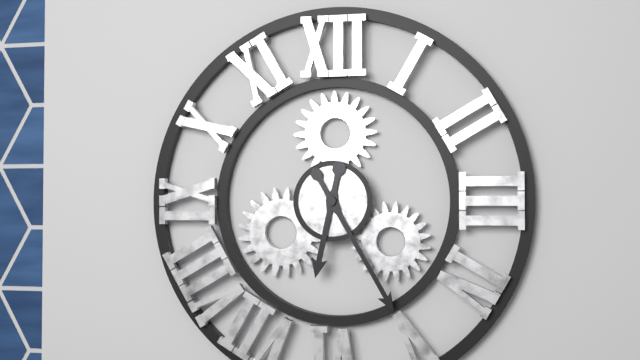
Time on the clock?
6:25
